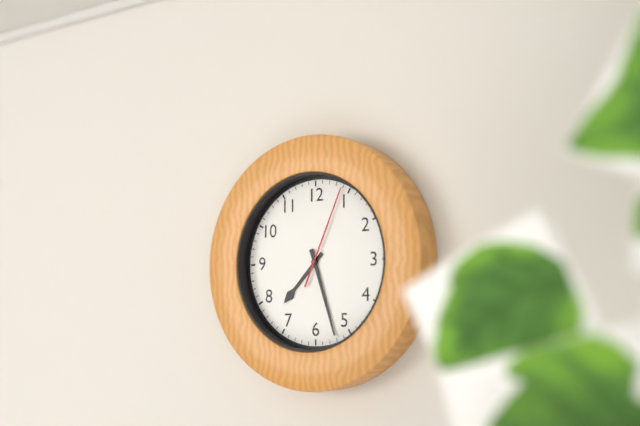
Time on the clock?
7:27:04
